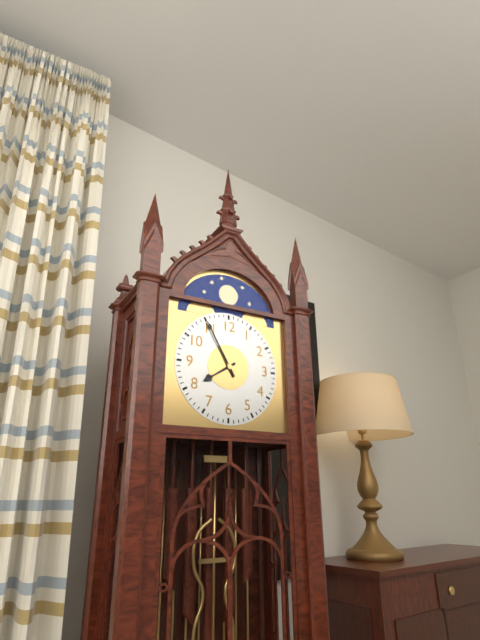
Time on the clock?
7:55
